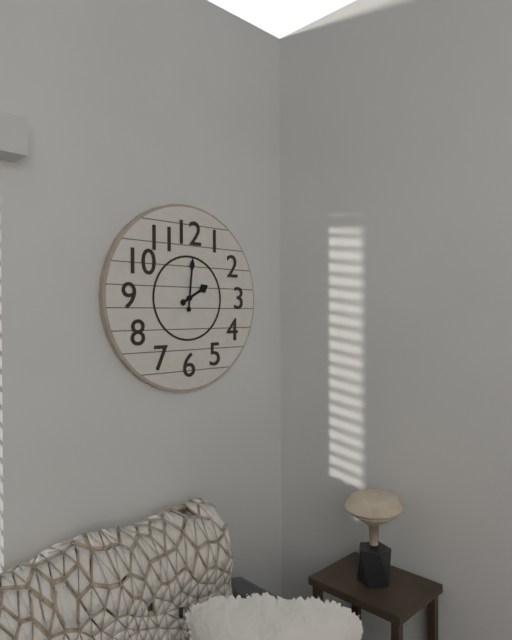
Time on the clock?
2:01
